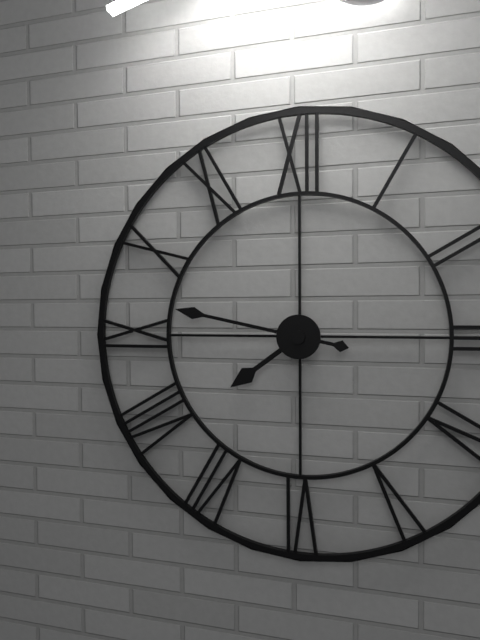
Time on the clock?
7:47
